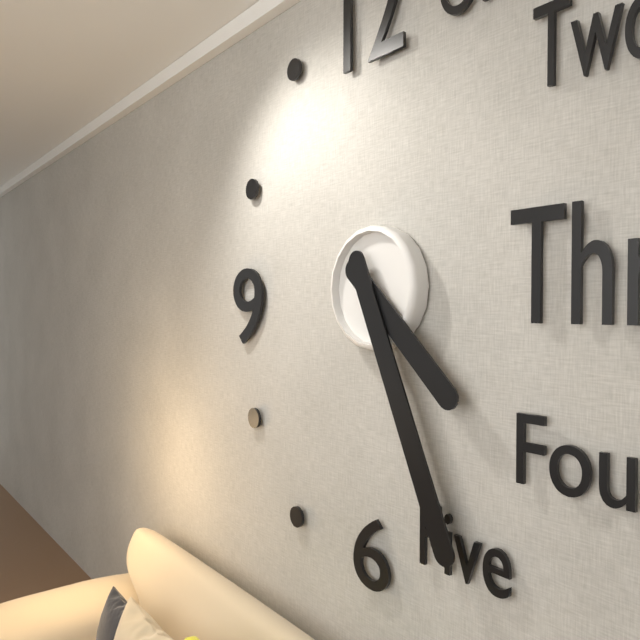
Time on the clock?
4:26
